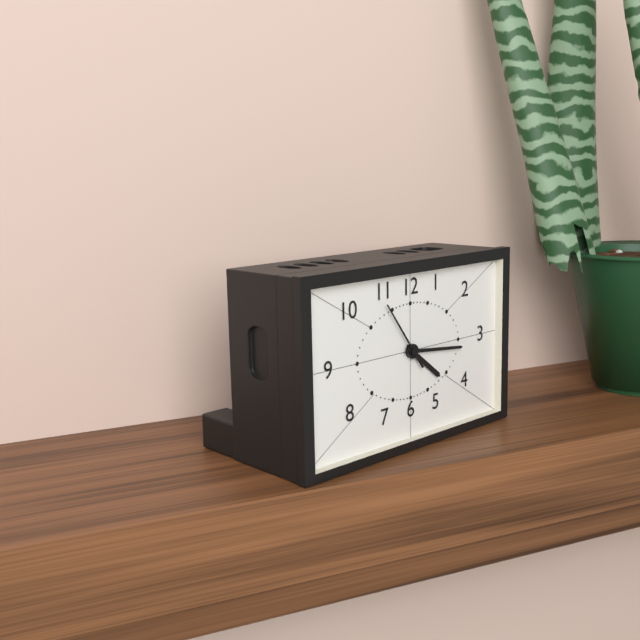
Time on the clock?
4:16:54
